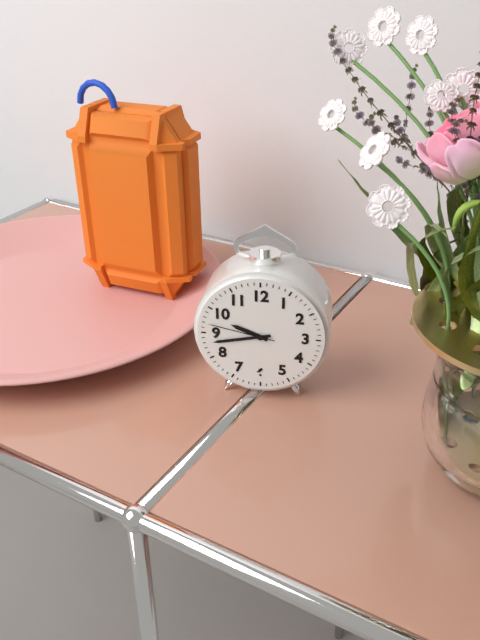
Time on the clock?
9:43:47
